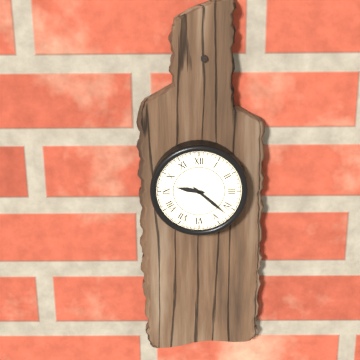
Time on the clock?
9:22
